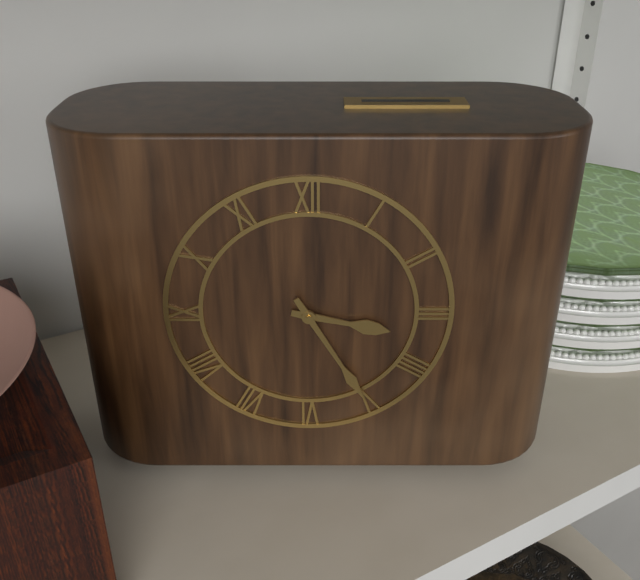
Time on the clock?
3:25
